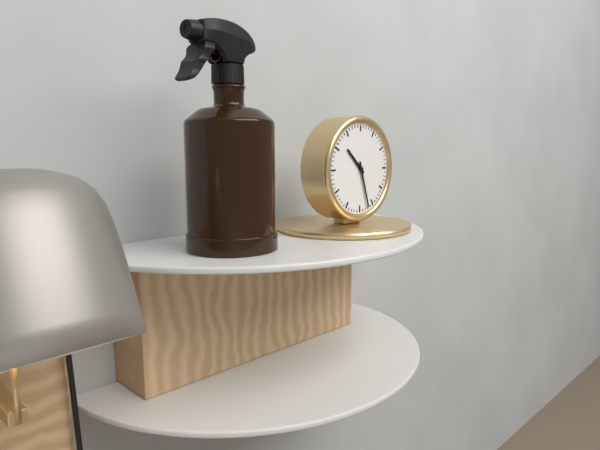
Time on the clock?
10:27
